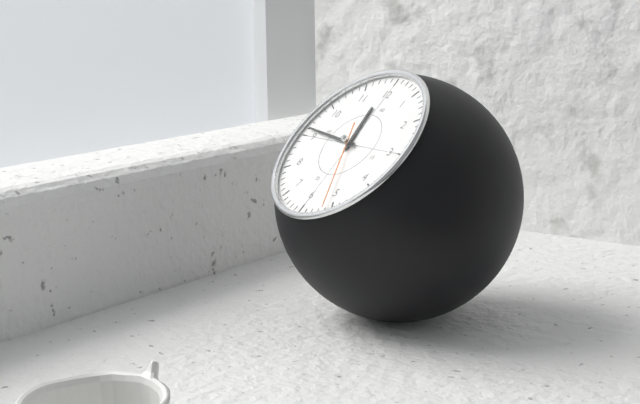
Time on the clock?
11:46:26
